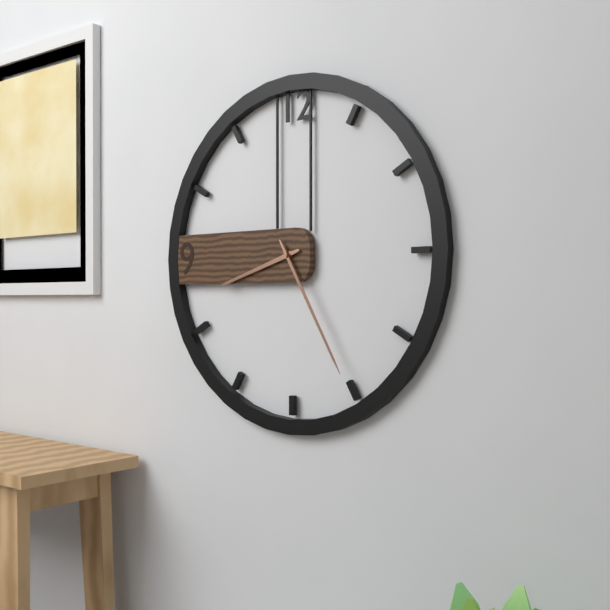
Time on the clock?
8:25
